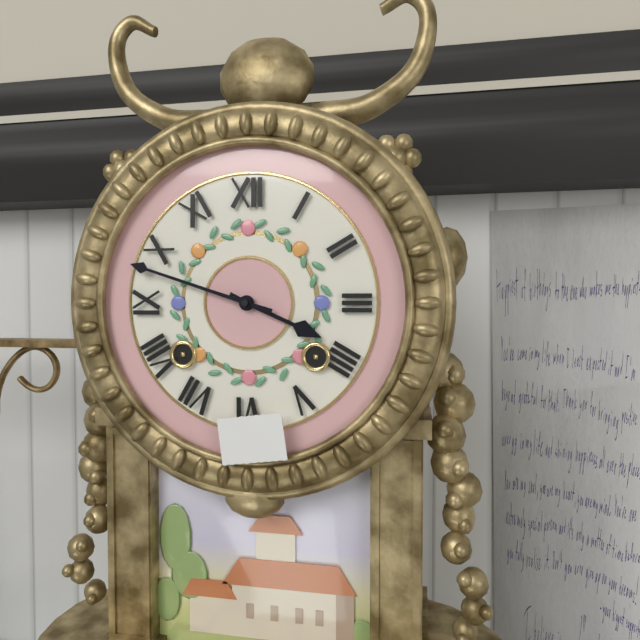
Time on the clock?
3:48
